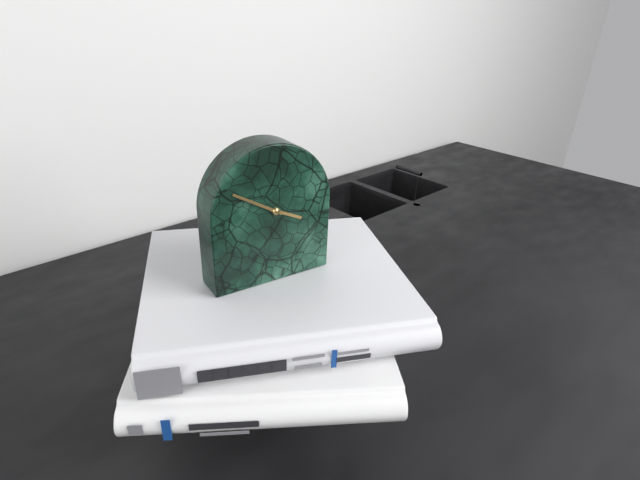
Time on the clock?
3:50
